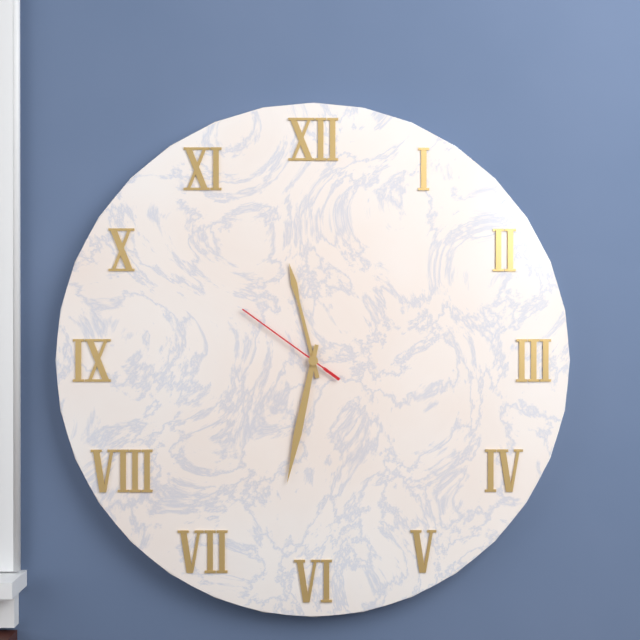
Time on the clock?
11:32:51
